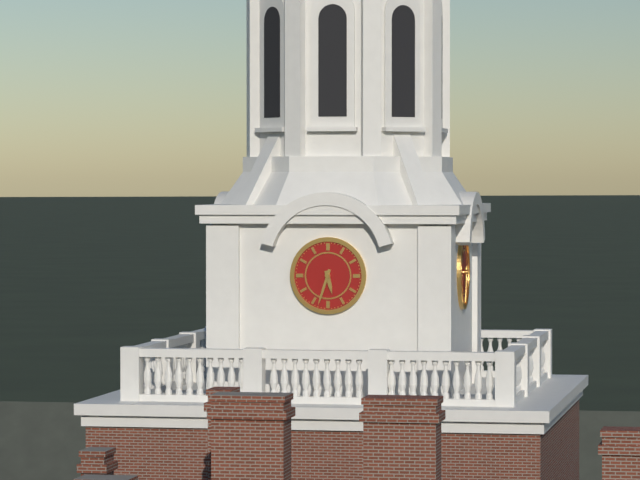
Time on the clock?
5:33
